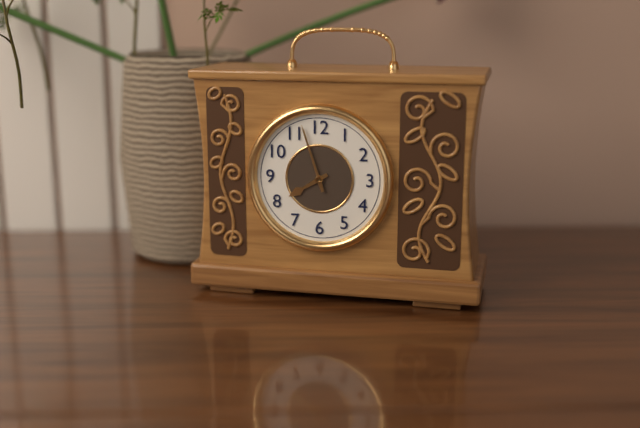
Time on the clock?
7:57
